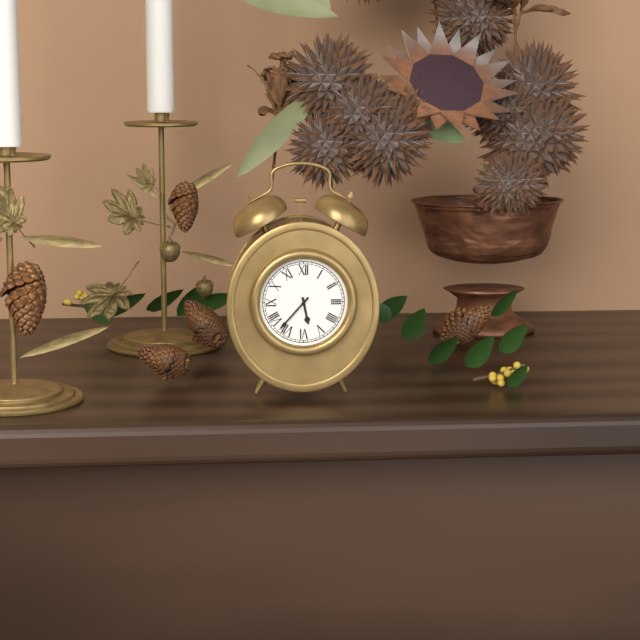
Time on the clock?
5:37
